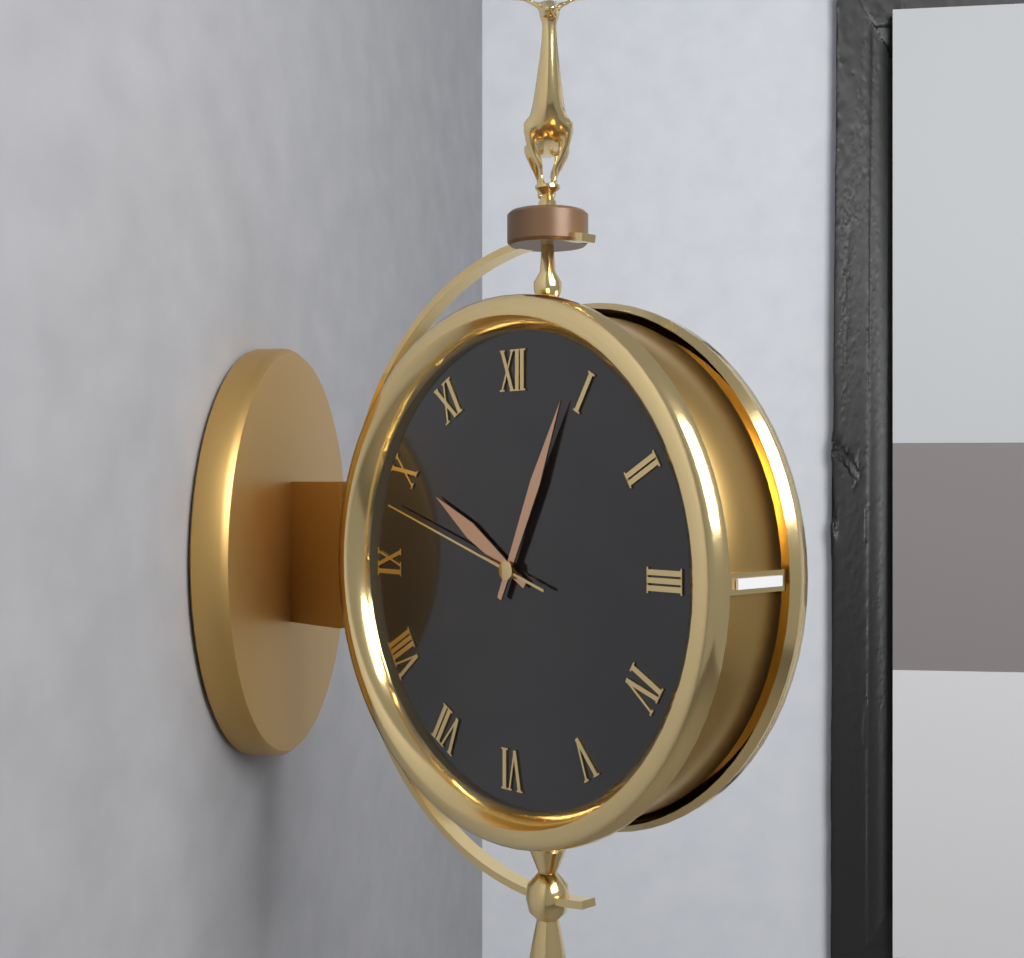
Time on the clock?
10:04:48
